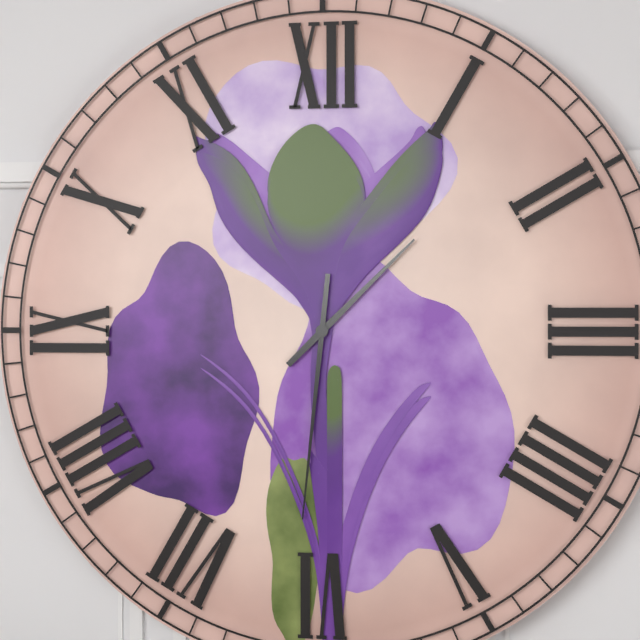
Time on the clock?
1:31
